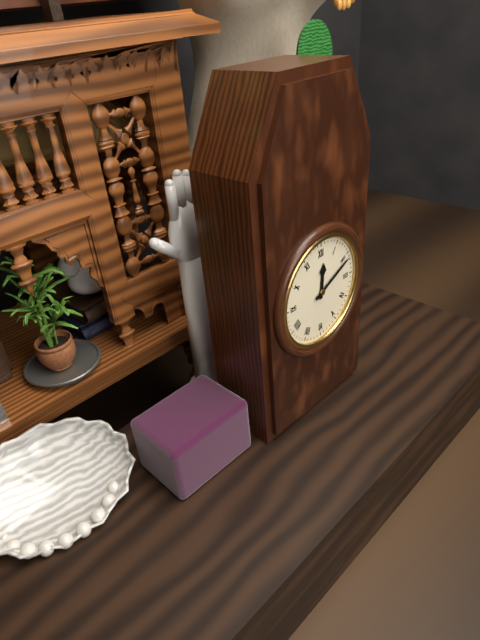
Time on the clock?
12:11
